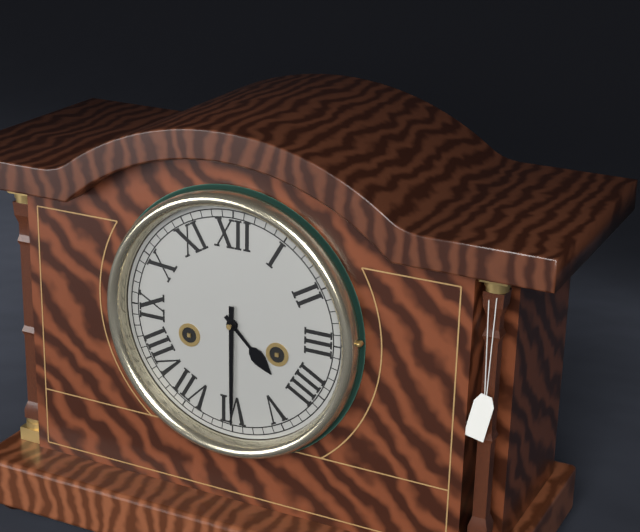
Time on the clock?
4:30
